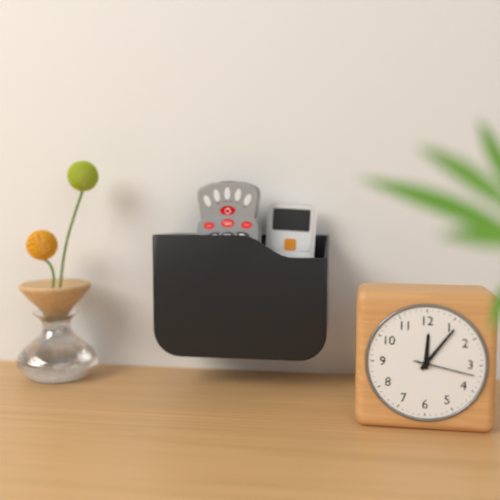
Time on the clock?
12:06:17
